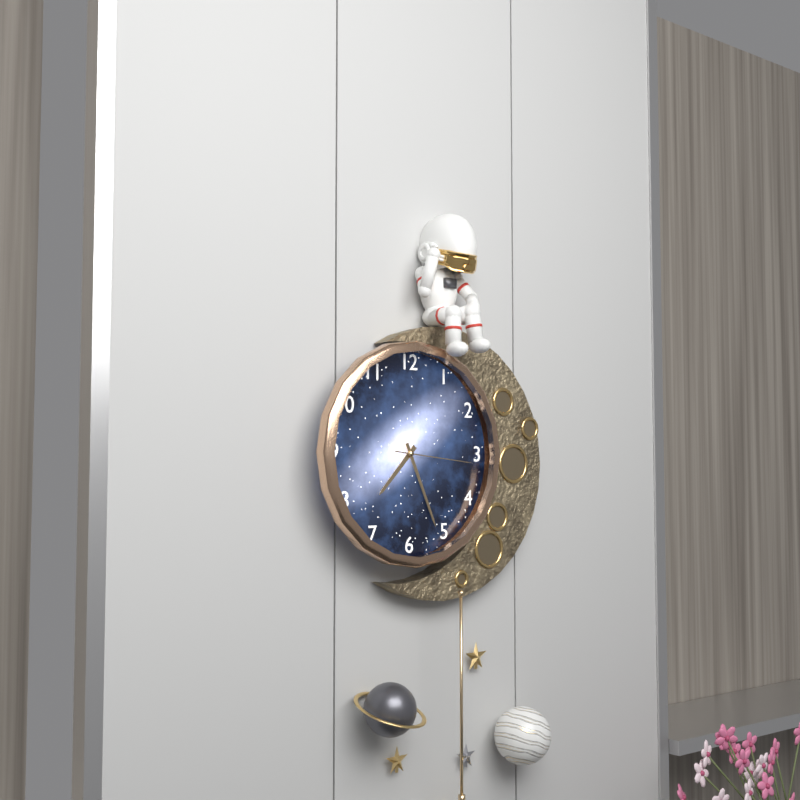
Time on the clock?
7:26:16
